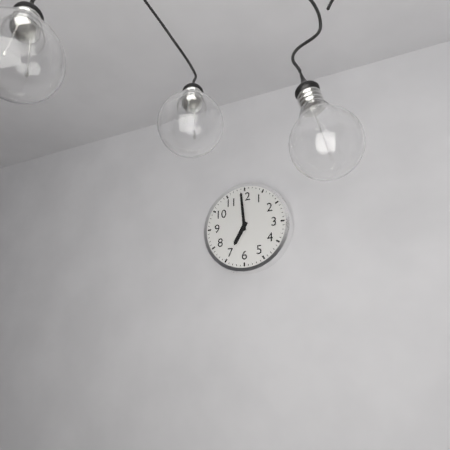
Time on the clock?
6:59
